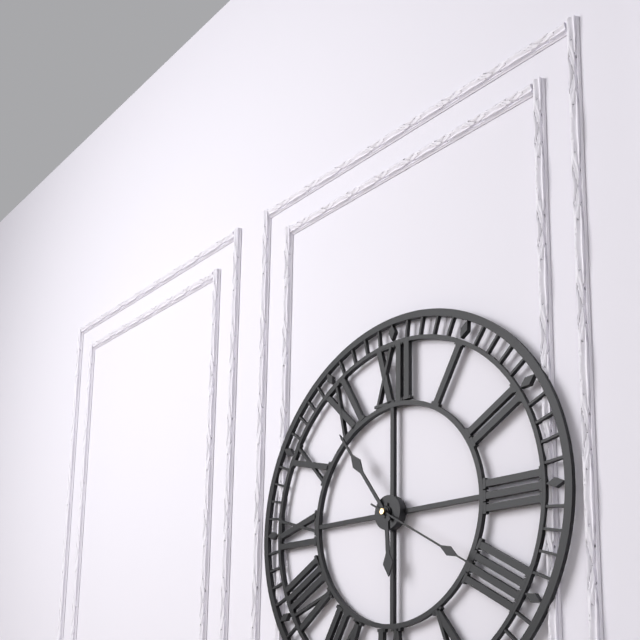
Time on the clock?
5:54:20
